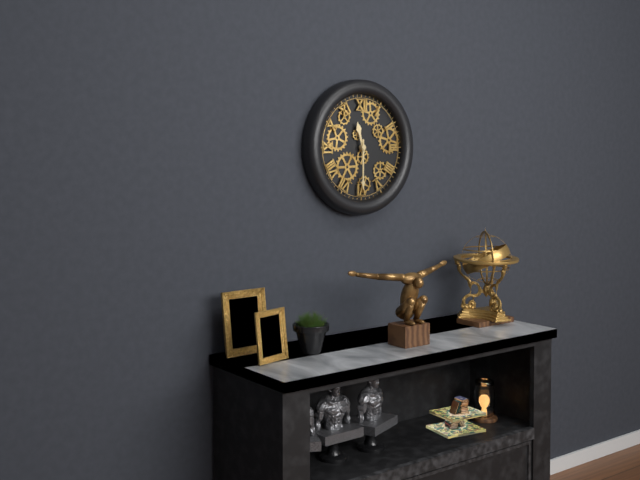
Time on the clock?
11:30
